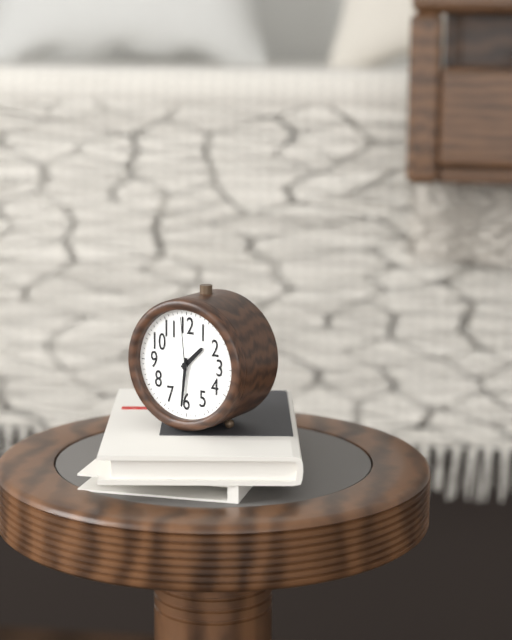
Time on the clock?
1:31:59
